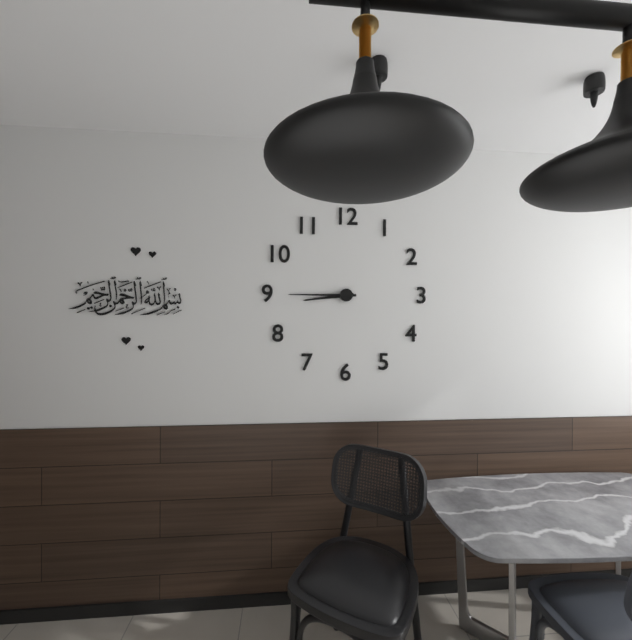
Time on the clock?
8:45
